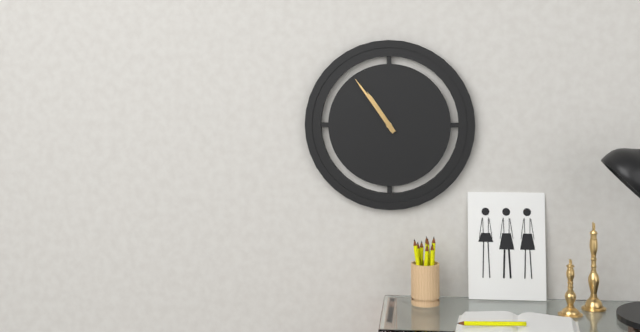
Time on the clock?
10:54
